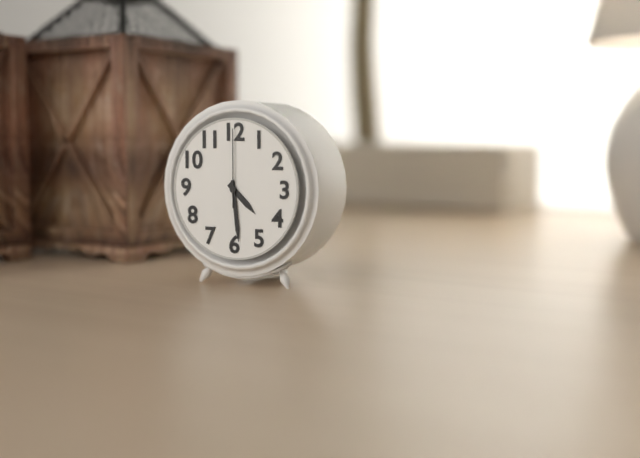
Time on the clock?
4:29:00
